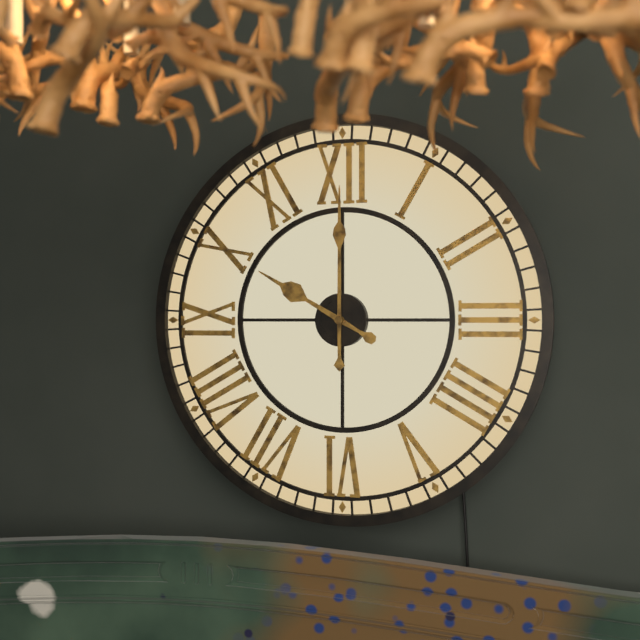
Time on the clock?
10:00
